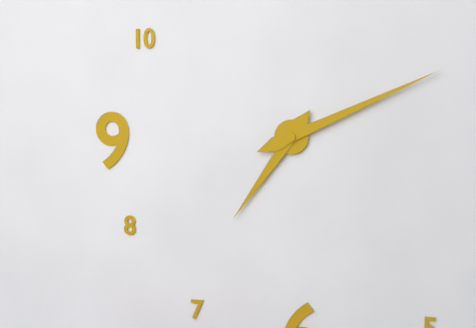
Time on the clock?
7:11
